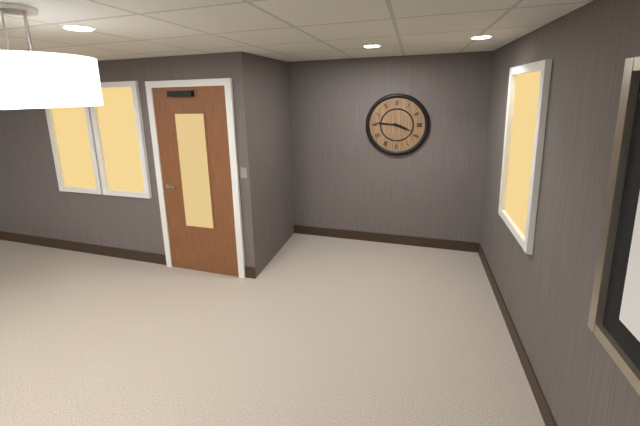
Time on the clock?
3:46
